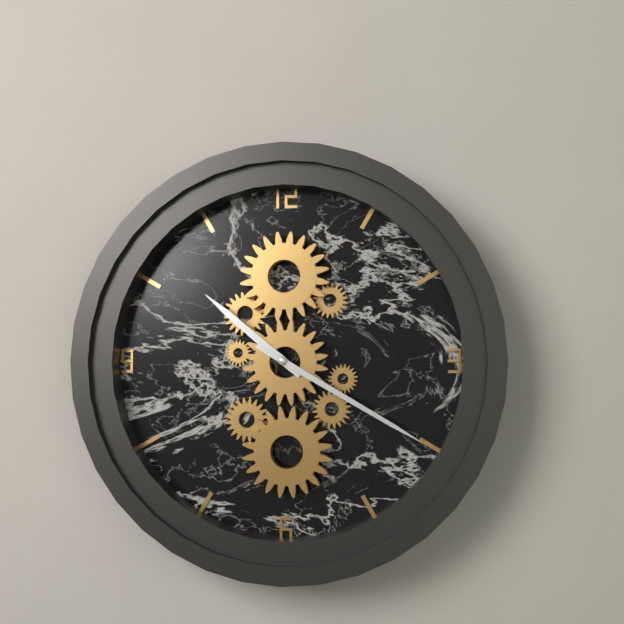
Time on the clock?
10:20
